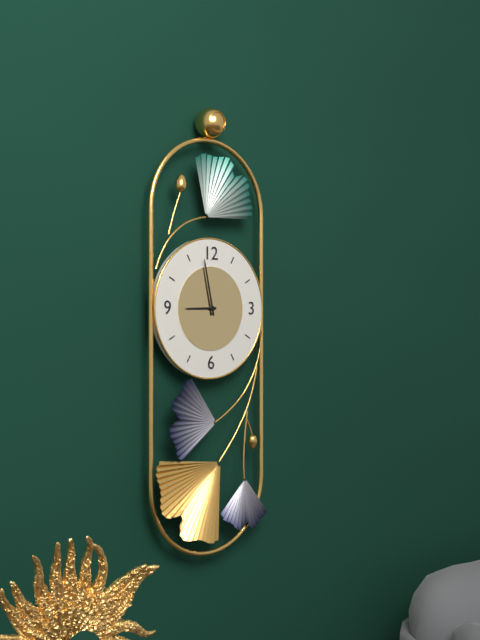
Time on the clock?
8:58
